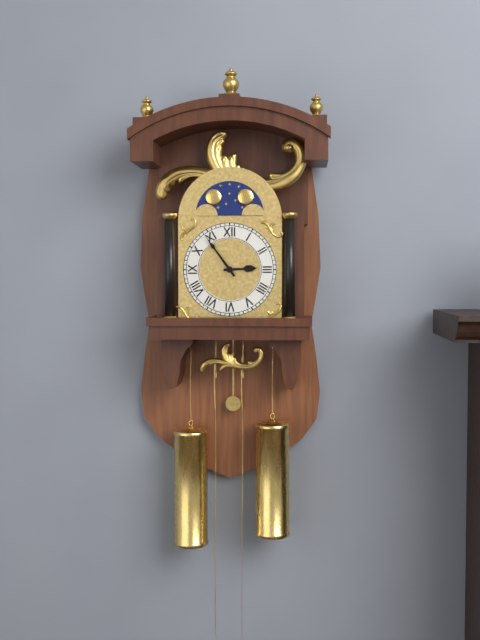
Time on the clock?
2:54
